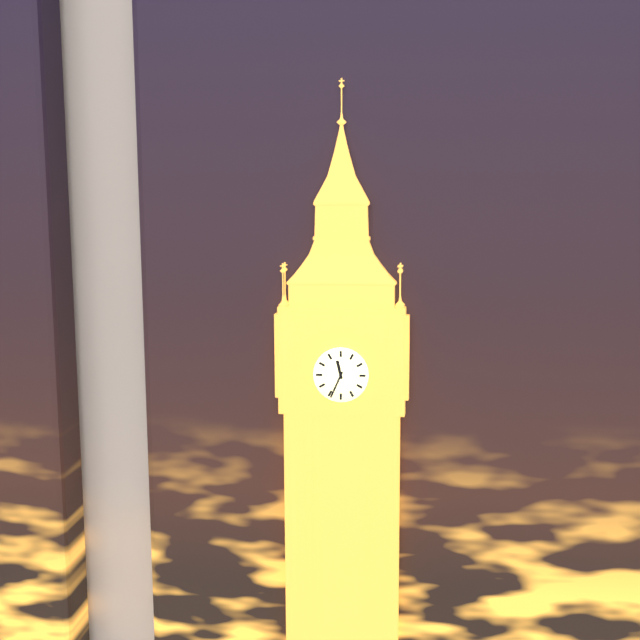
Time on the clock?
11:34
